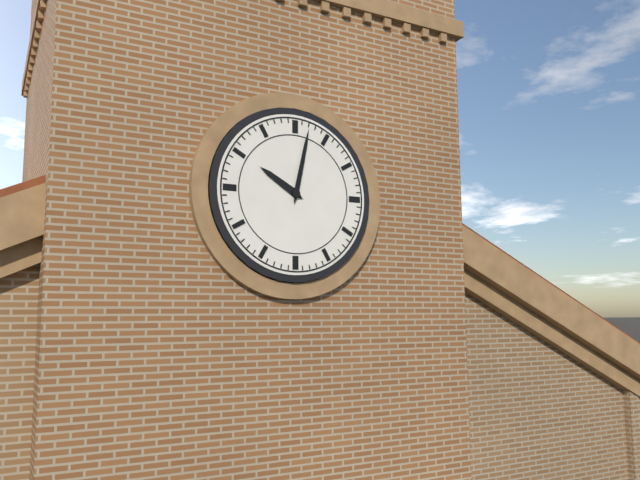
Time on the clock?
10:02
